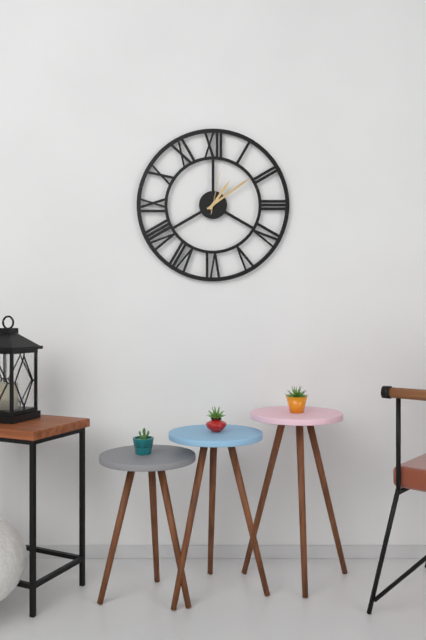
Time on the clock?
1:09
